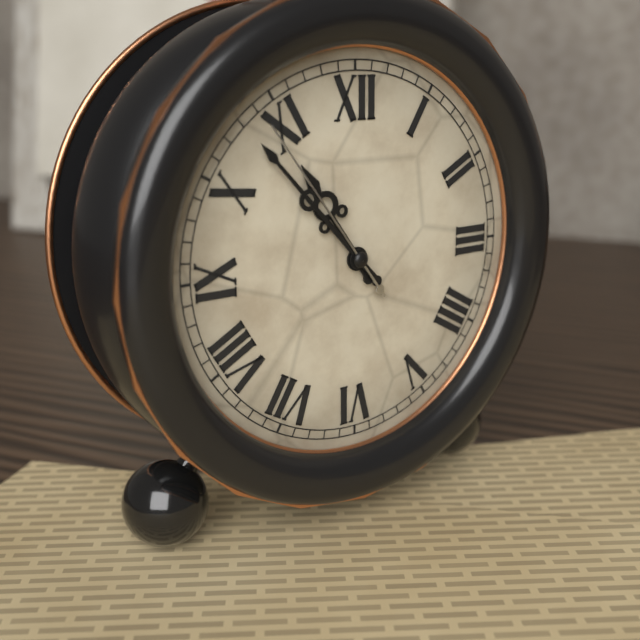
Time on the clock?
10:53:54
